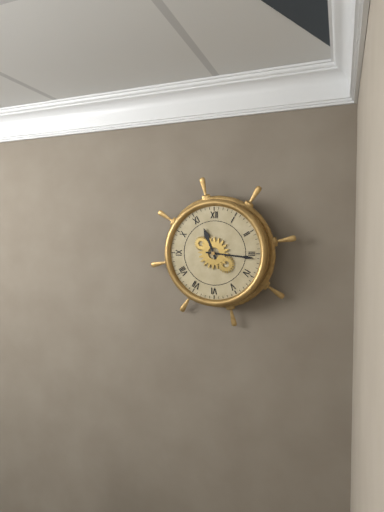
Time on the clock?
11:16
